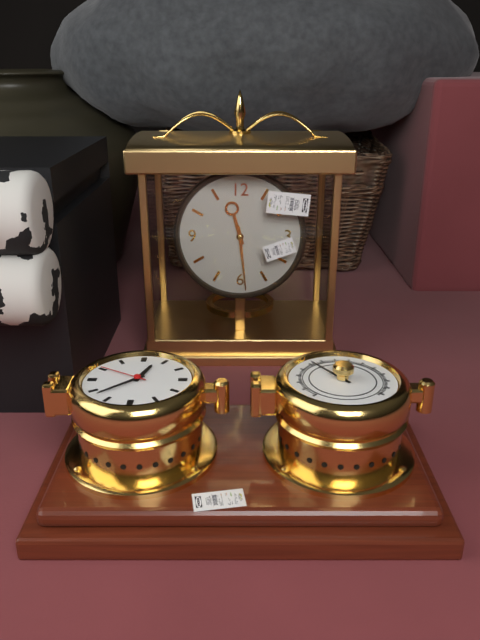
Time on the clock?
11:29
